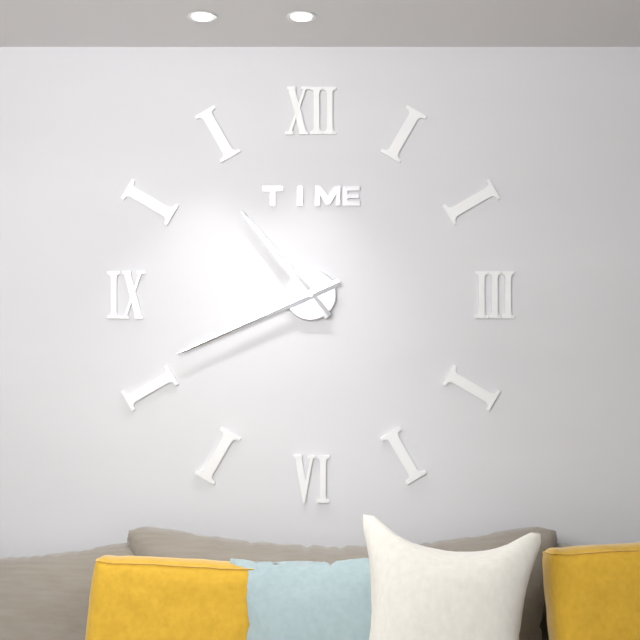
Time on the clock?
10:41
